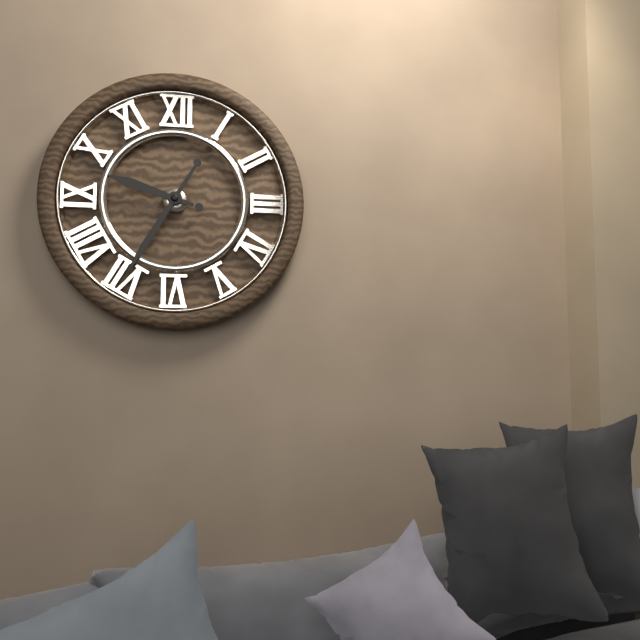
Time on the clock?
9:35
